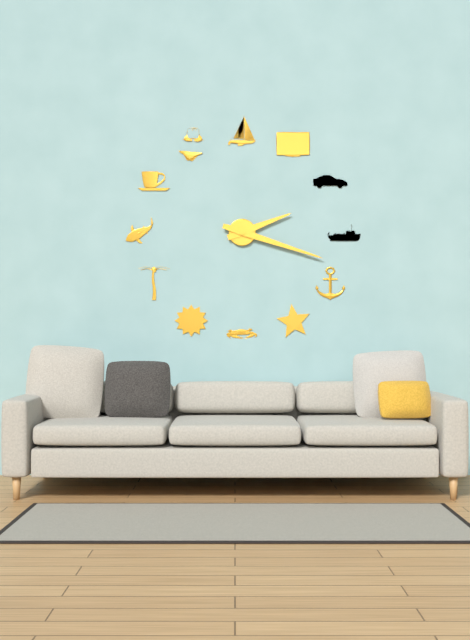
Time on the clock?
2:18
